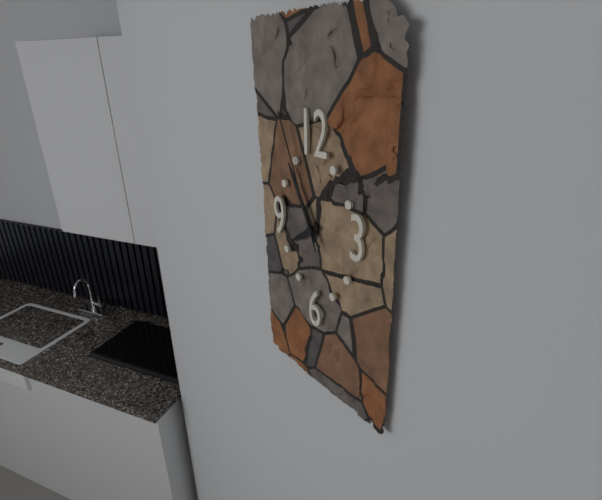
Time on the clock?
7:55:56
